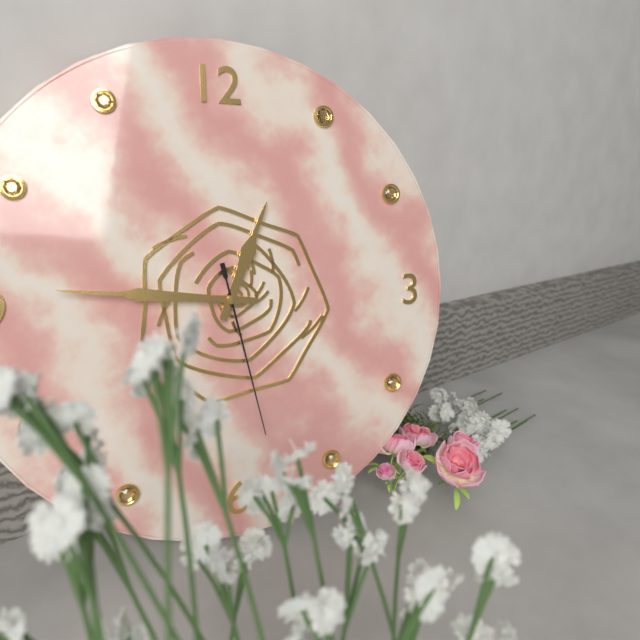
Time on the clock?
12:46:28
